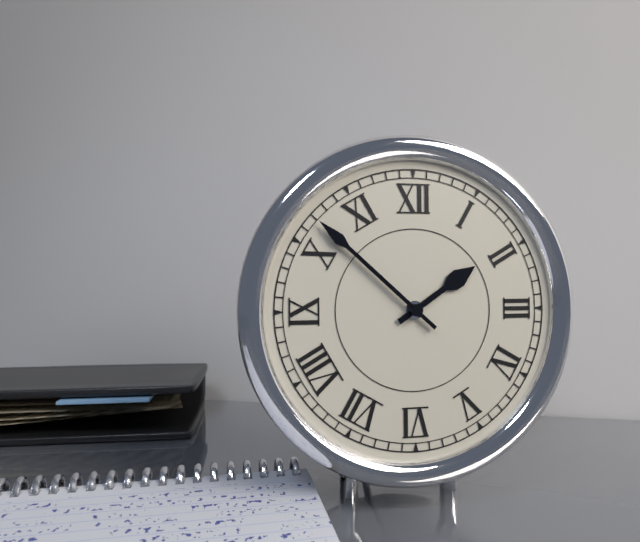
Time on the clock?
1:52
